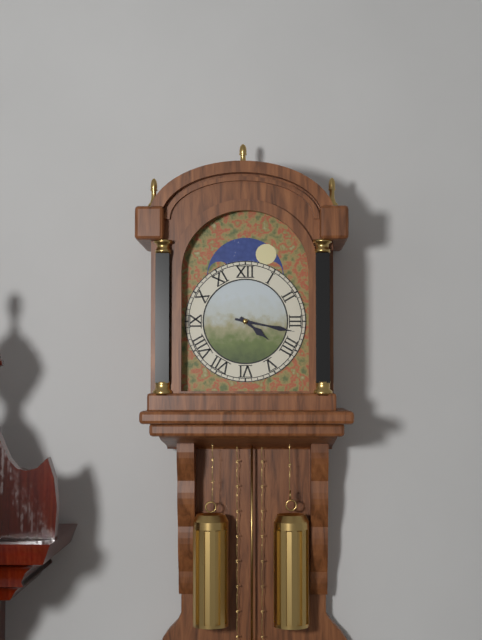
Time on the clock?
4:17
